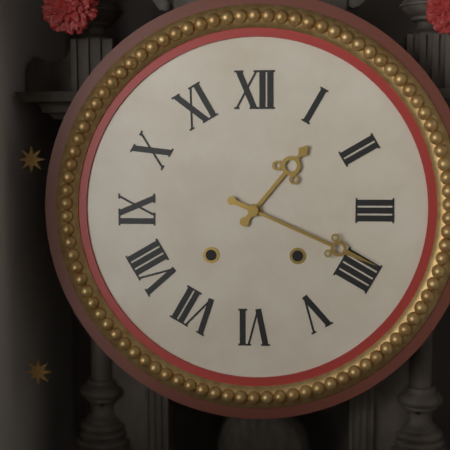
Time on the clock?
1:19
